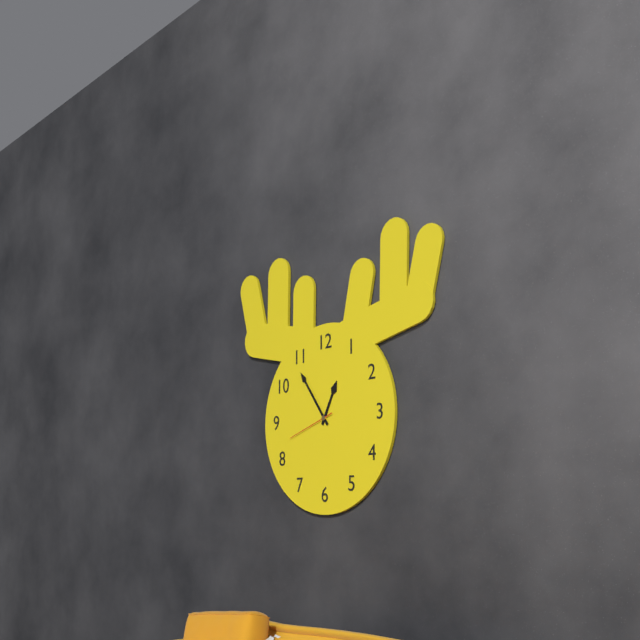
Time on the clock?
12:54:42
